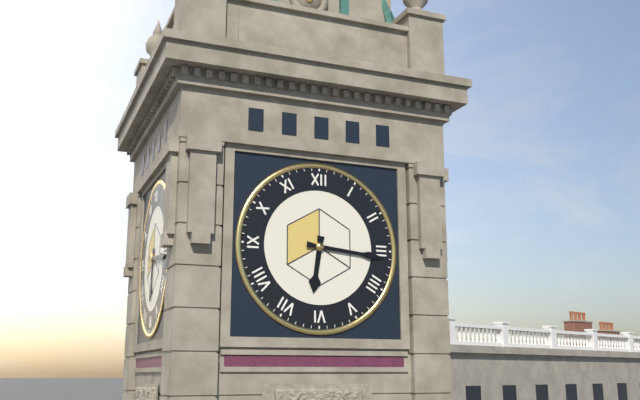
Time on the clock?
6:16
